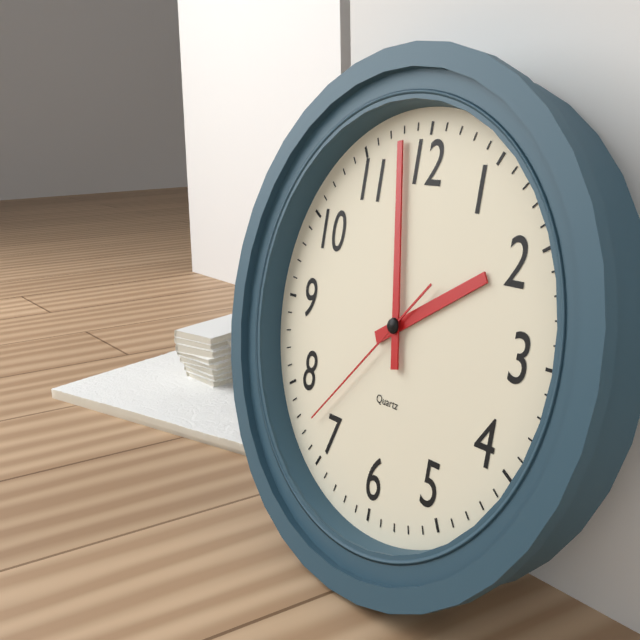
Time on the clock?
1:58:37
